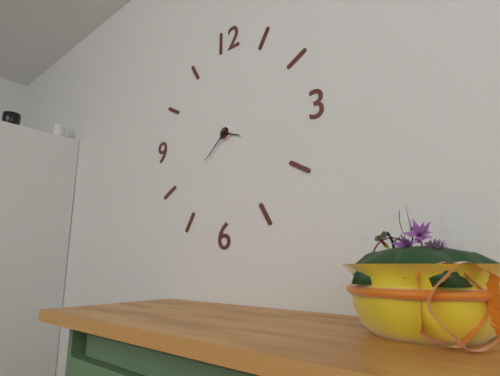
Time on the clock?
3:38
